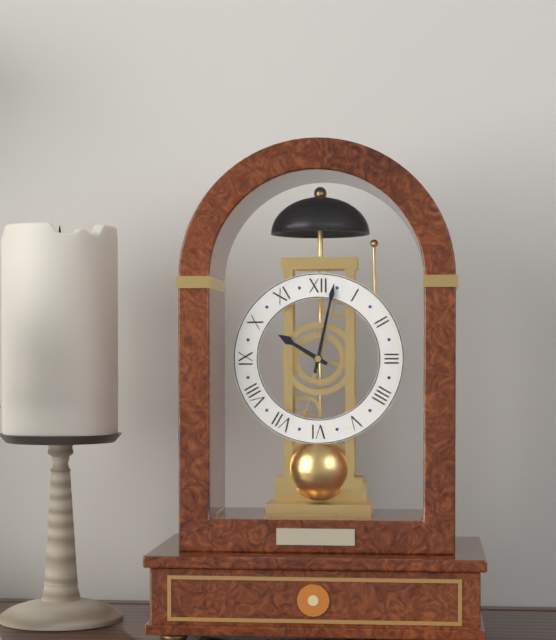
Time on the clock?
10:02
